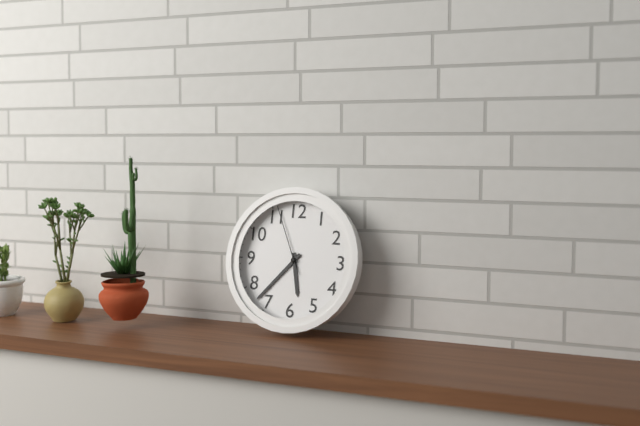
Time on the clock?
5:37:56
